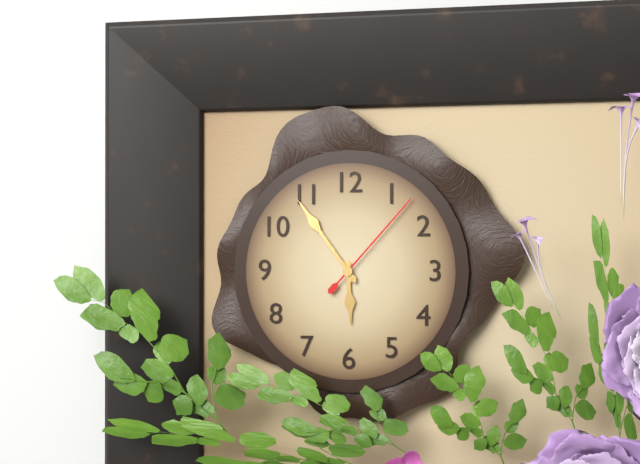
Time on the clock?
5:54:07
